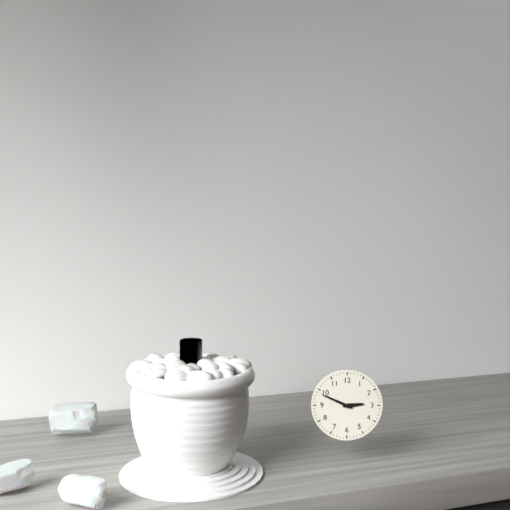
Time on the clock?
2:49
